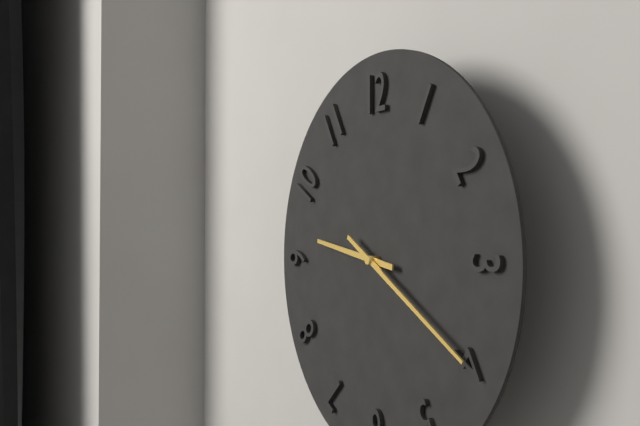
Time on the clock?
9:20
